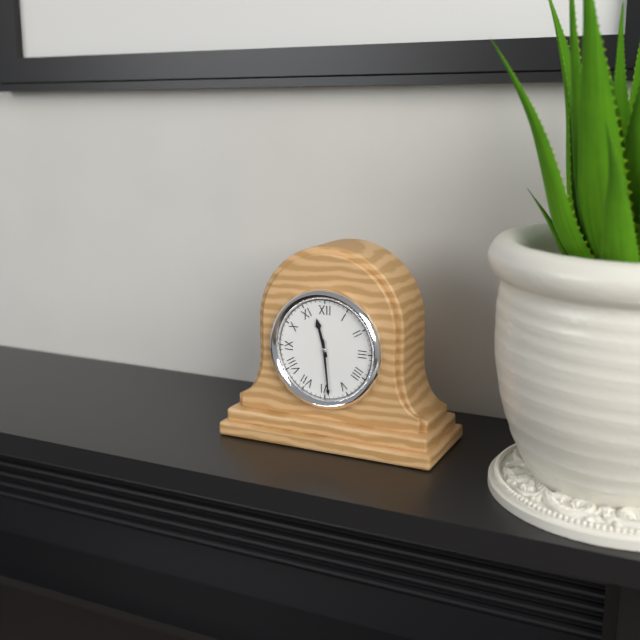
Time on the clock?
11:29
